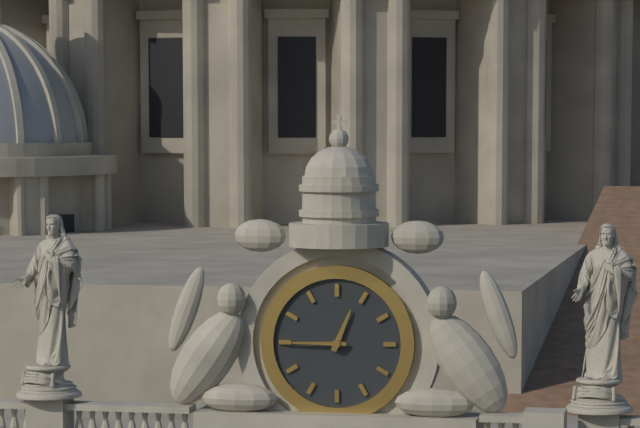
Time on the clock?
12:45
